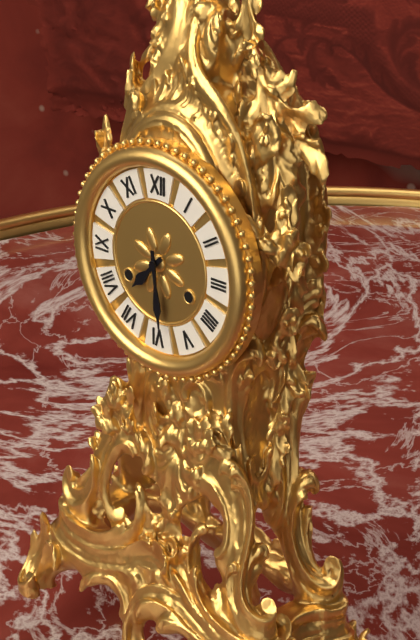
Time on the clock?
7:29
